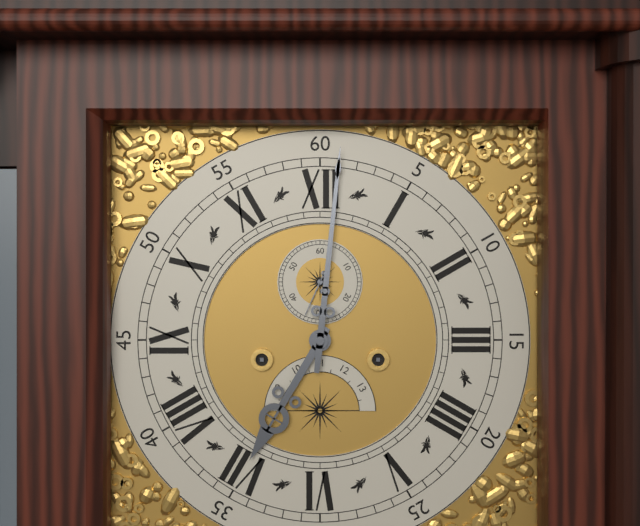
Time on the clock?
7:01
